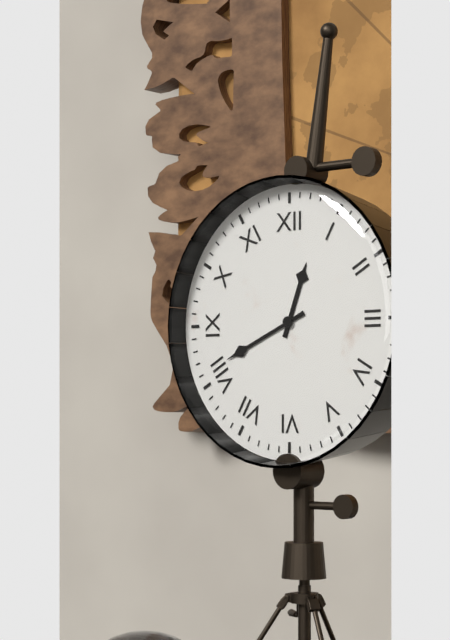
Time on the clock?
12:41
